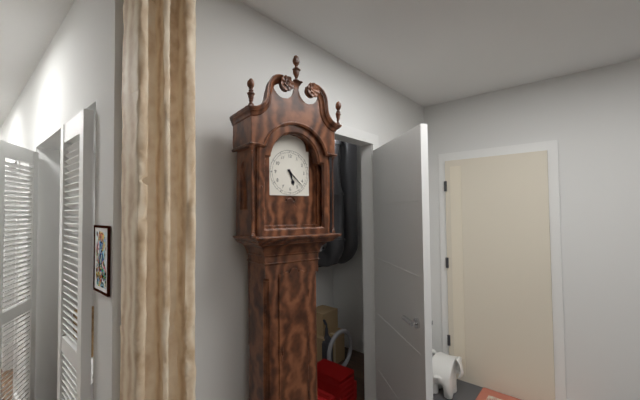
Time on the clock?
5:22
